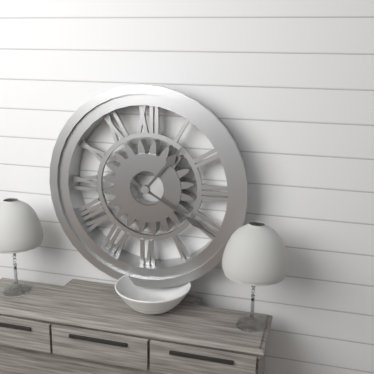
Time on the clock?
1:20
